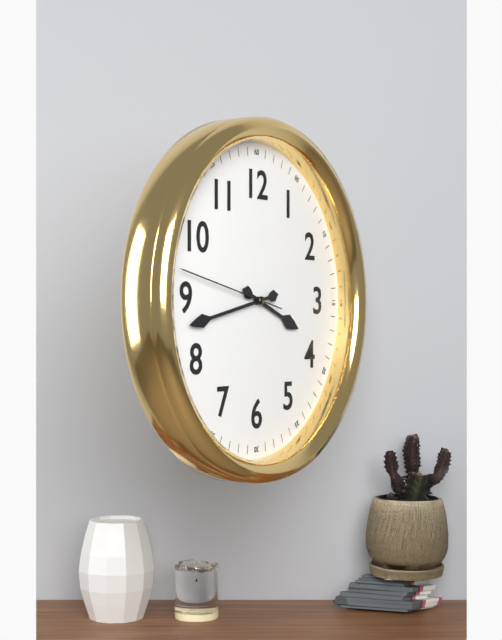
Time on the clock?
3:43:47
